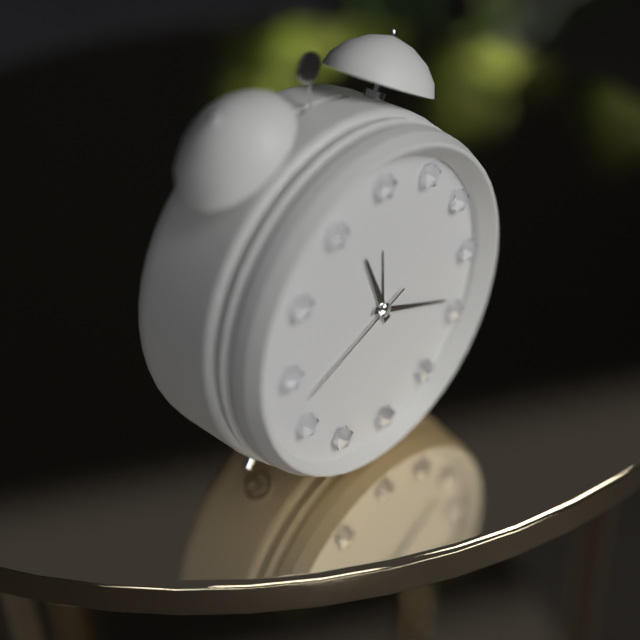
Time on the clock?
11:19:42
